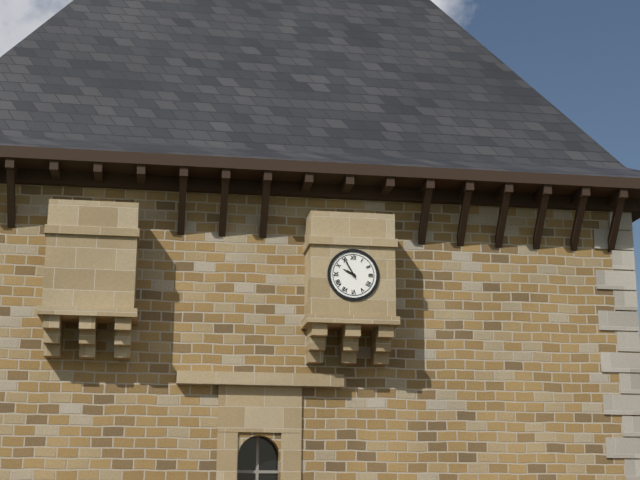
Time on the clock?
9:55
